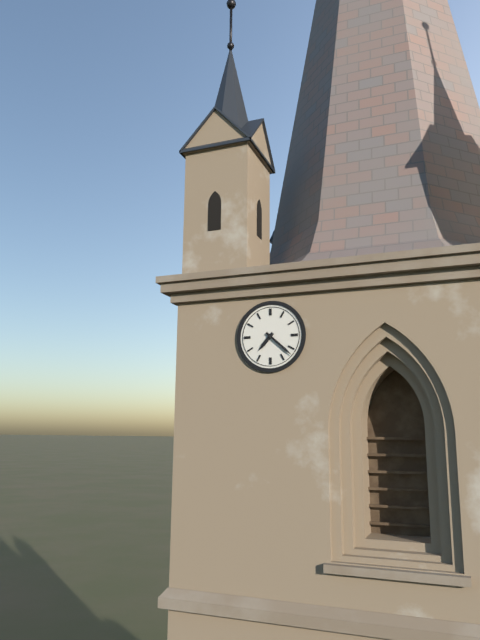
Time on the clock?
7:22
